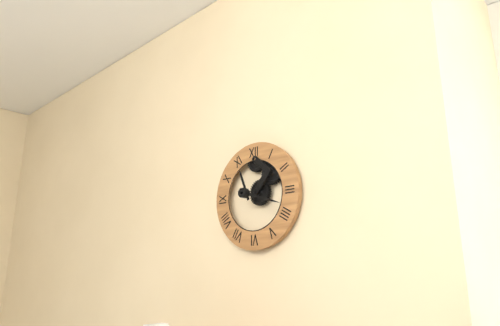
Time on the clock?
11:18
